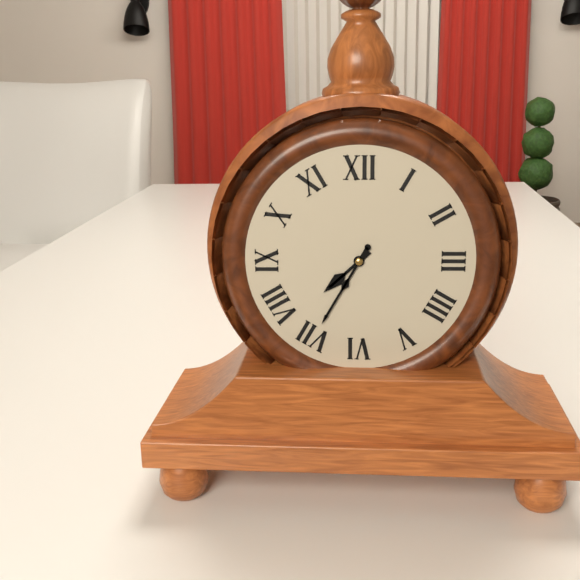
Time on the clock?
7:35
